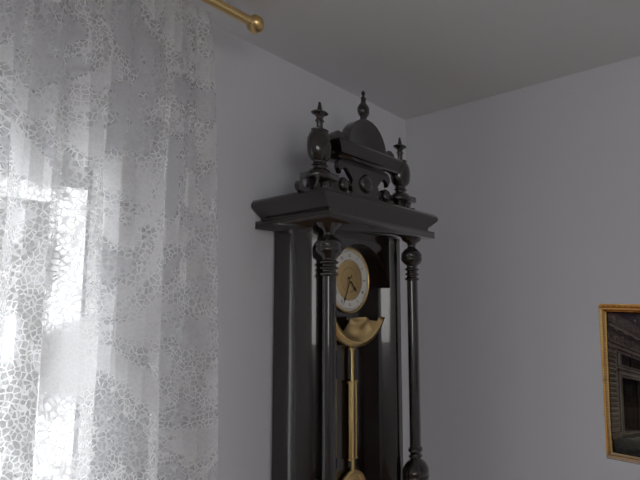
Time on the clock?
4:34
